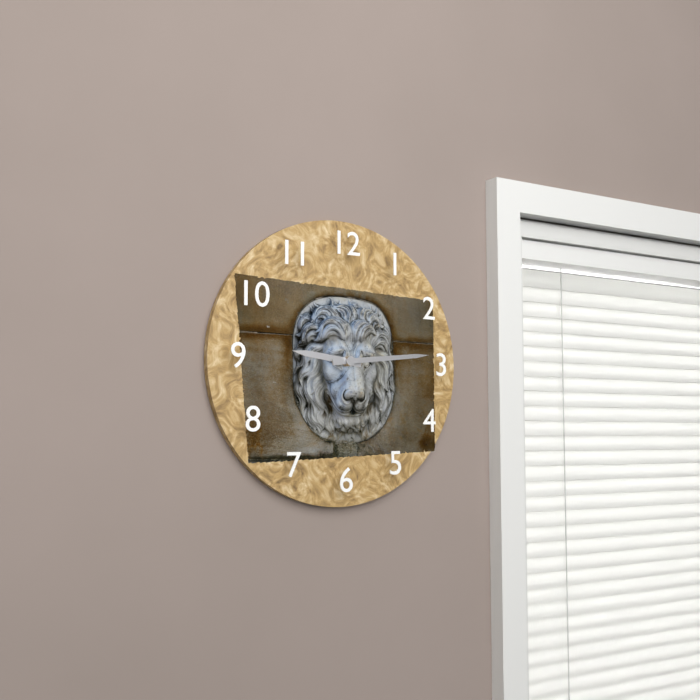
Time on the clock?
9:14
